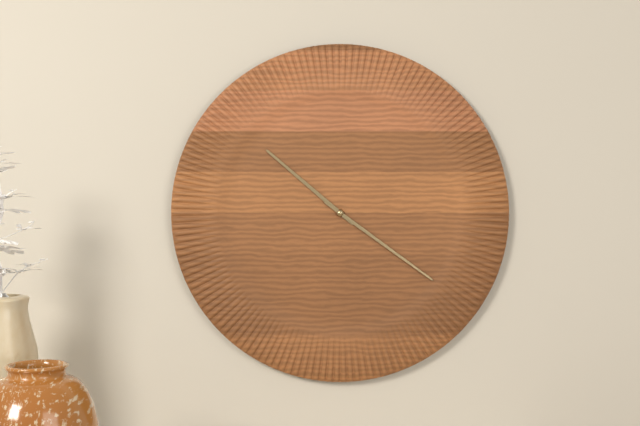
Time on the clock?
10:21
